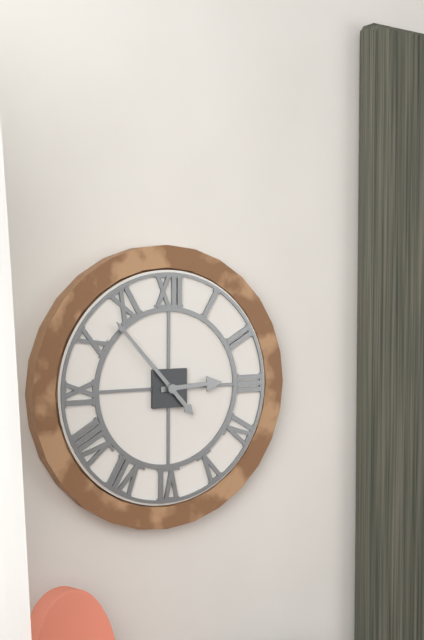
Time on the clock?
2:53
